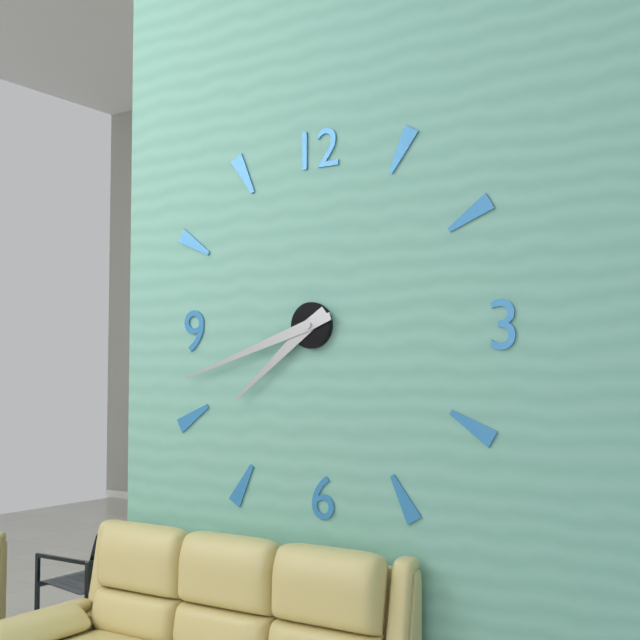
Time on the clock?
7:42
